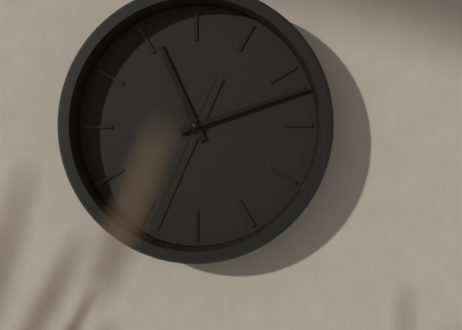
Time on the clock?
11:12:34
